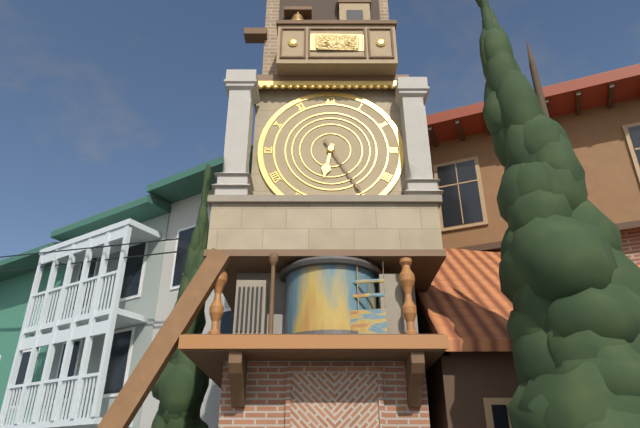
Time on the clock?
6:25
